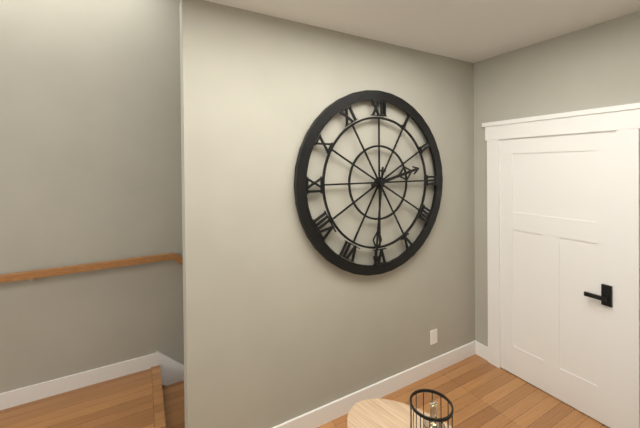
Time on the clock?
2:31
